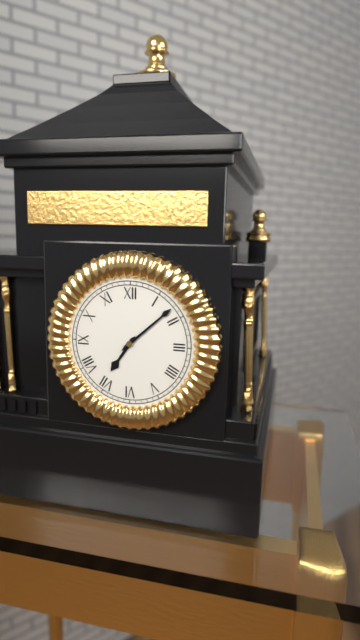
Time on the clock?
7:08
